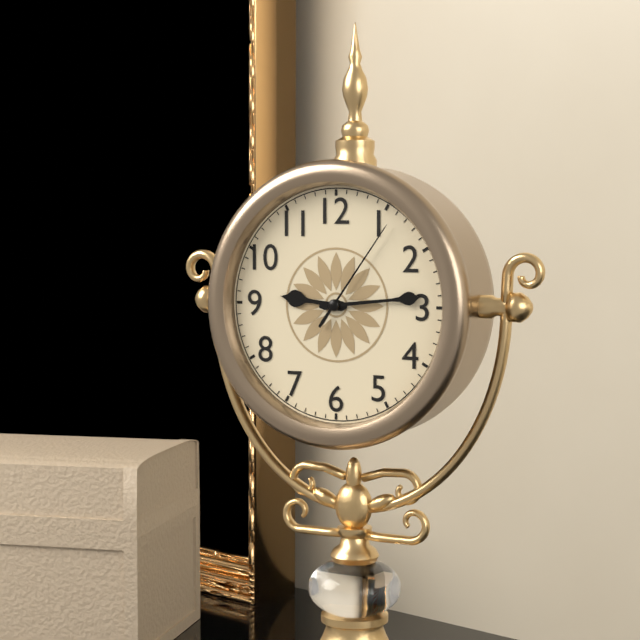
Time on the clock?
9:14:06
